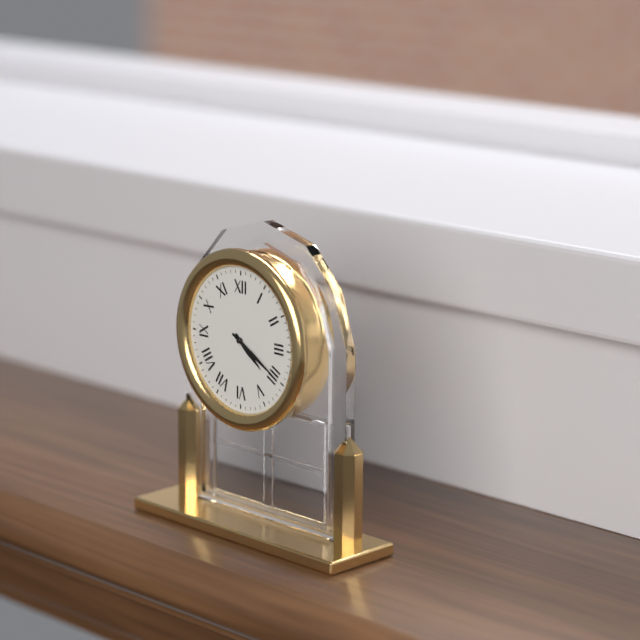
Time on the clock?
4:20
